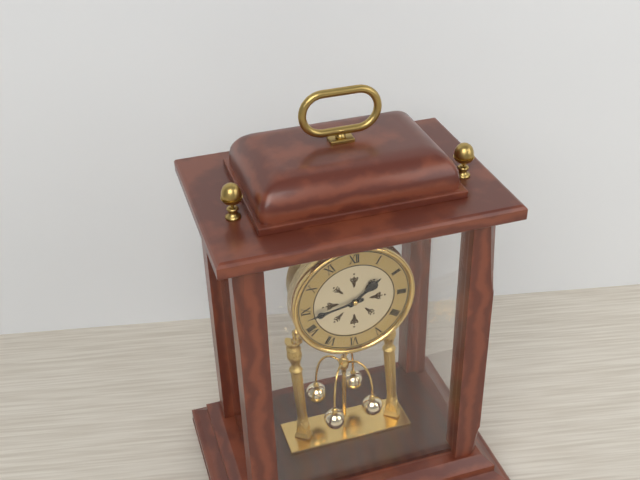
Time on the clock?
1:43
